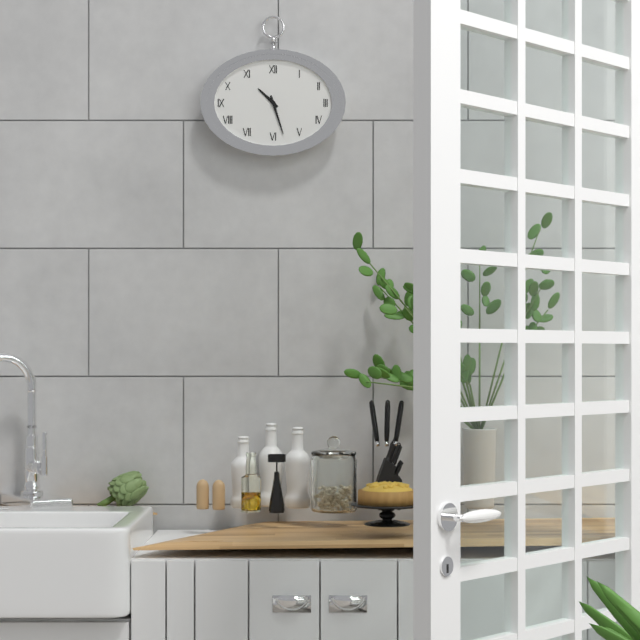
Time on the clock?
10:27
